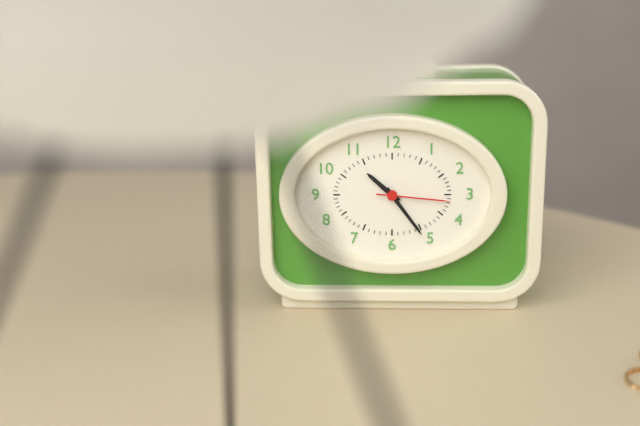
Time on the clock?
10:24:16
